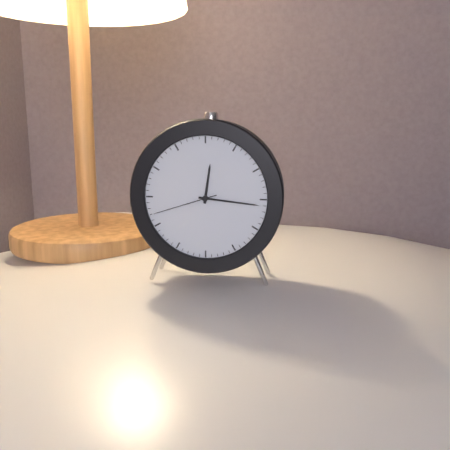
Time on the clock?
12:16:42
